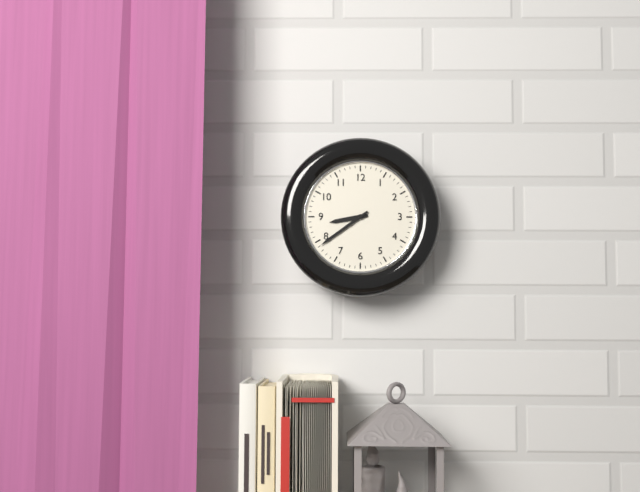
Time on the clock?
8:39
